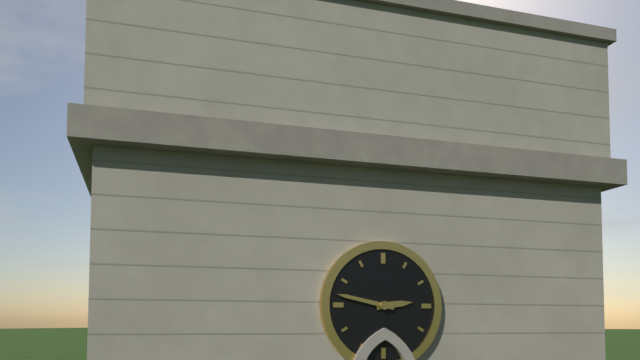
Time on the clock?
2:47
